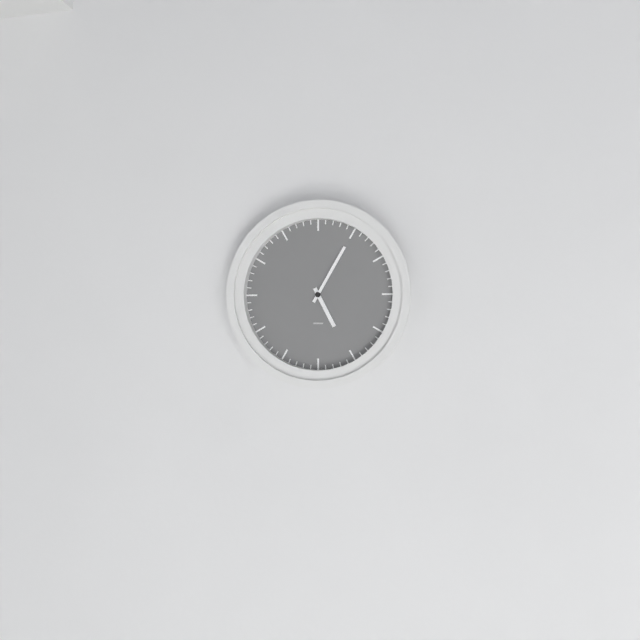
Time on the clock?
5:05
